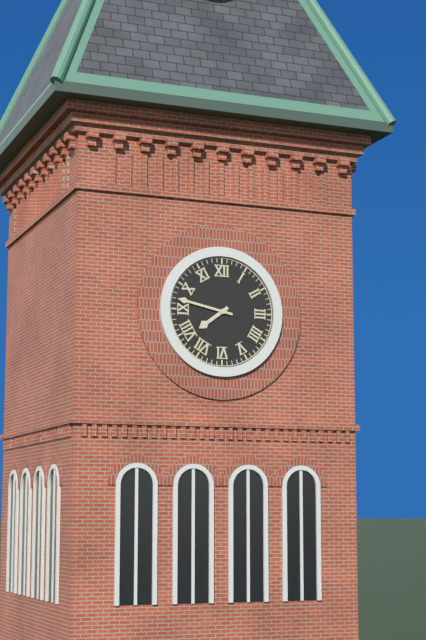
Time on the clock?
7:47
